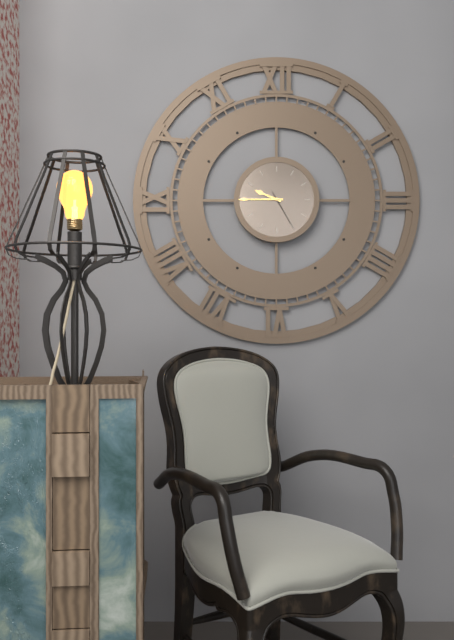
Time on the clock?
9:45
